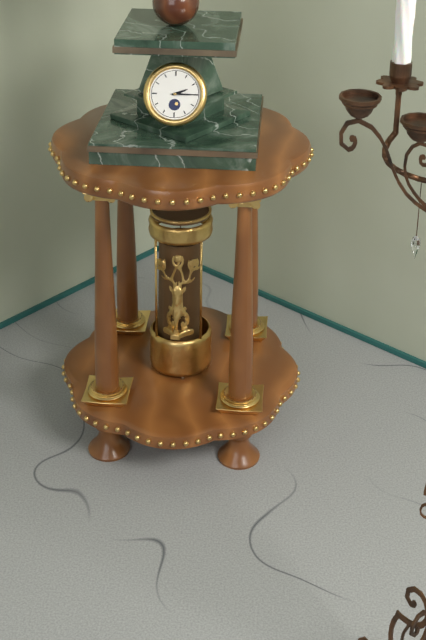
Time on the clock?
2:15
